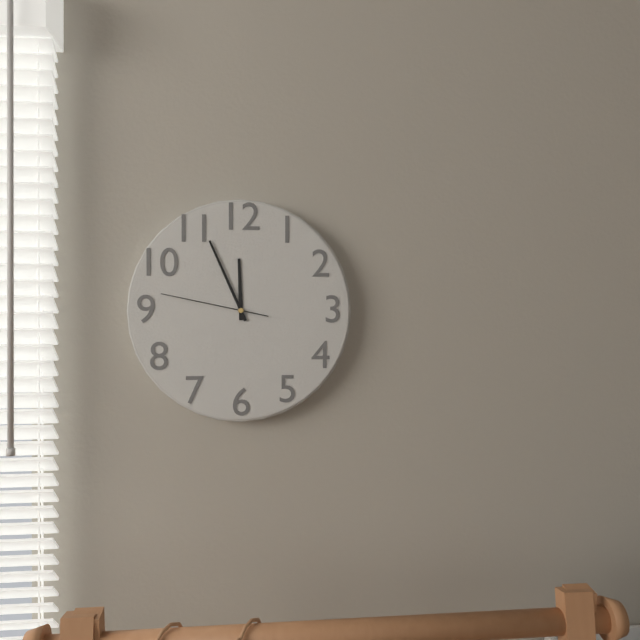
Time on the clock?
11:56:47
